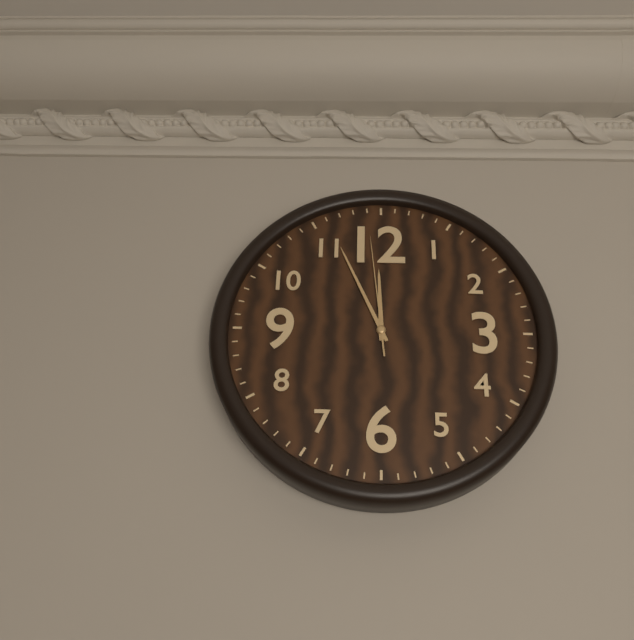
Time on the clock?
11:56:59
